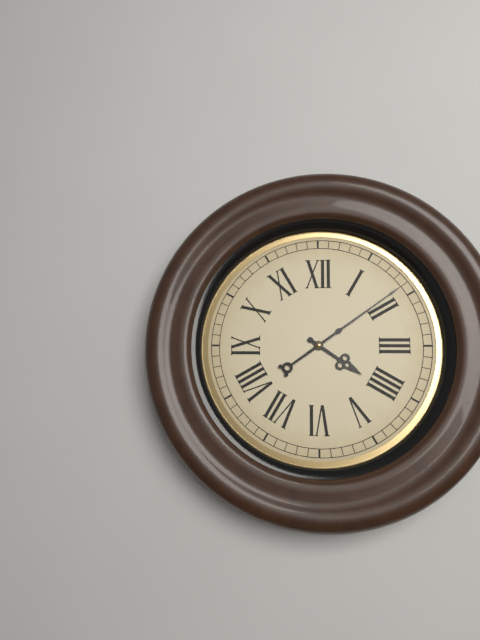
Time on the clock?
4:09
